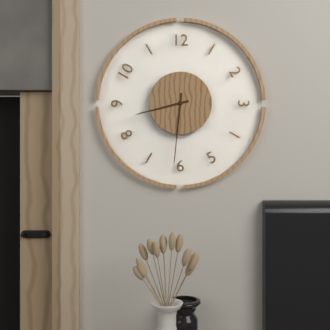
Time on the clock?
8:31
